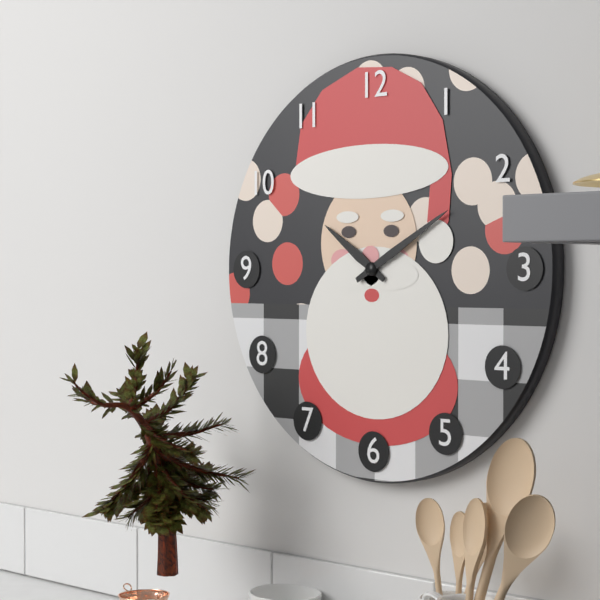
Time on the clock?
10:10
